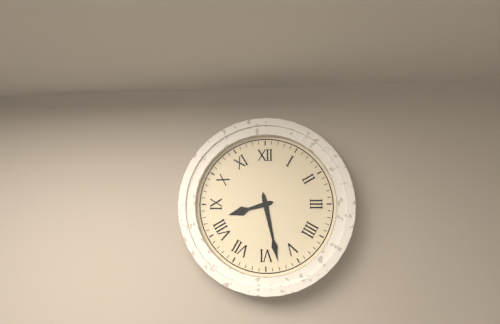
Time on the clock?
8:28
